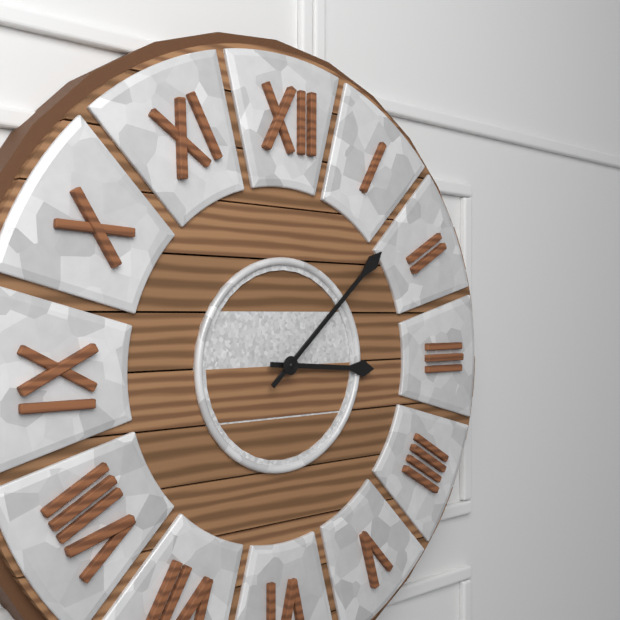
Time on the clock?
3:08
